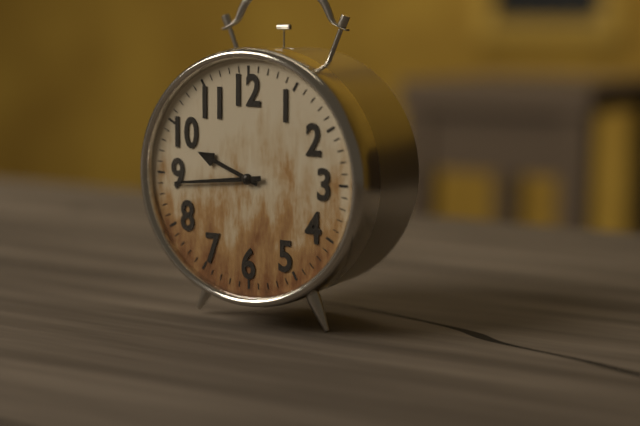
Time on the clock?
9:44
